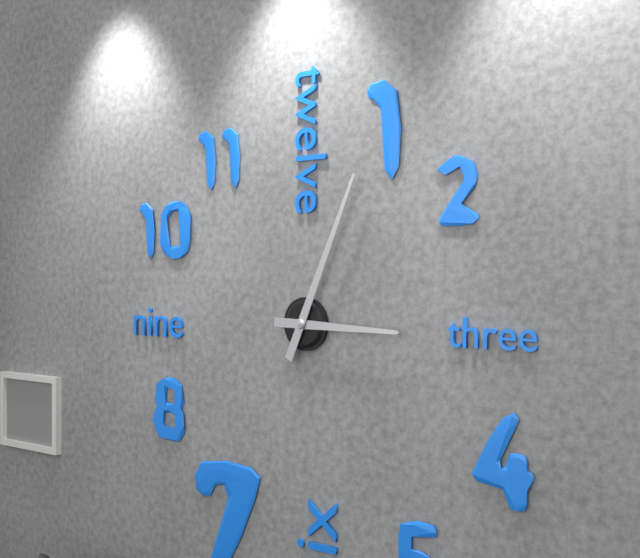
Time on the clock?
3:04
